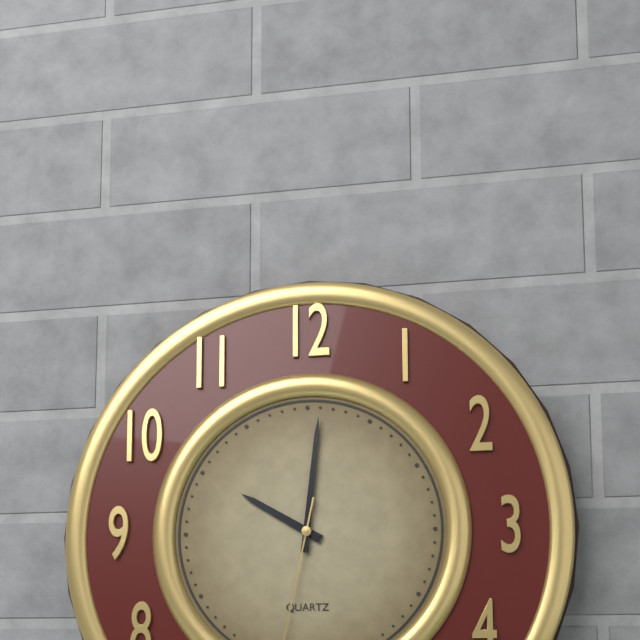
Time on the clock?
10:01
